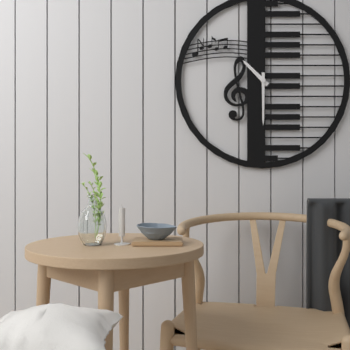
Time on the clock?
10:30
